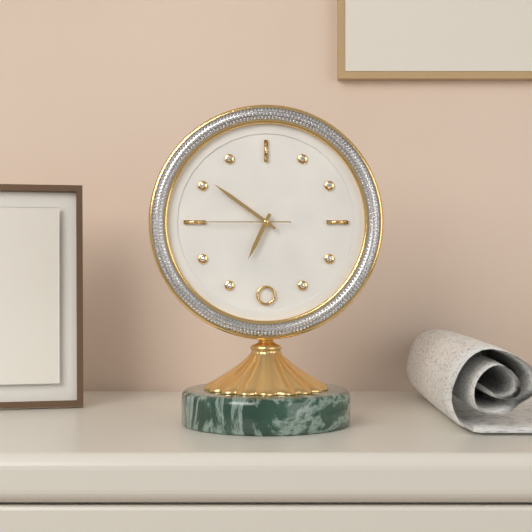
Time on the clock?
6:51:45
